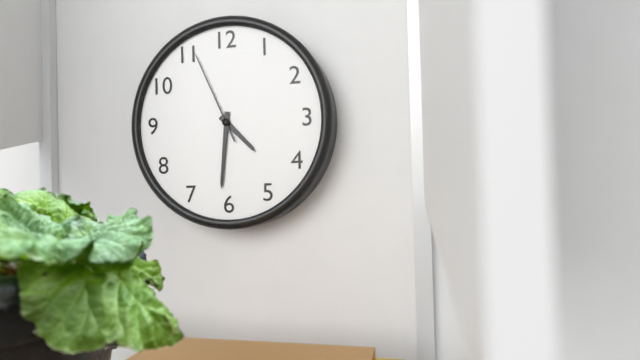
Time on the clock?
4:31:56
